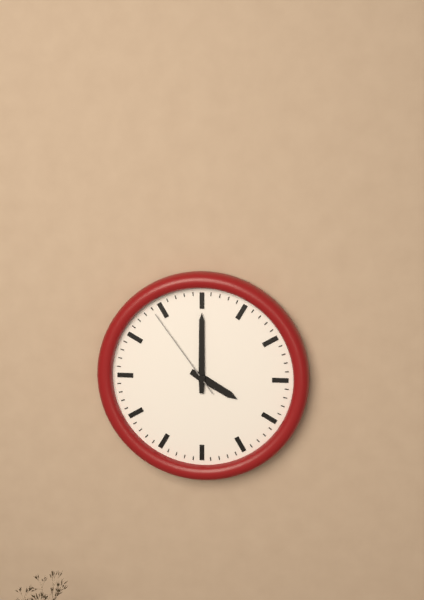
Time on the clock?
4:00:54
